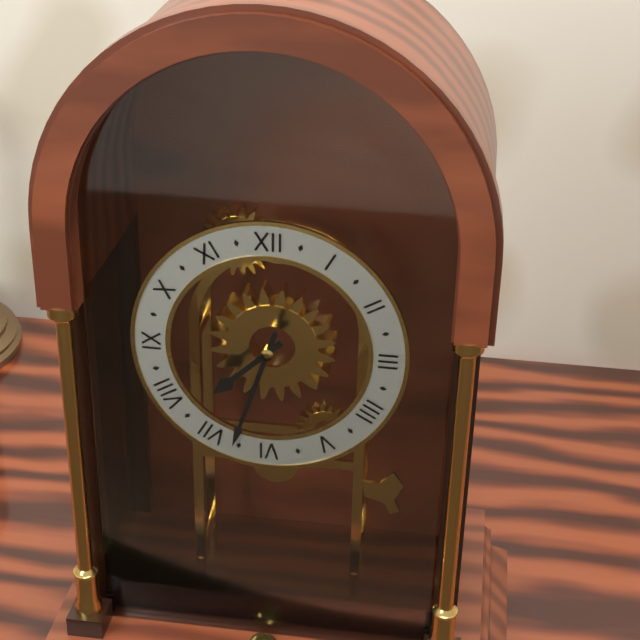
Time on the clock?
7:33
